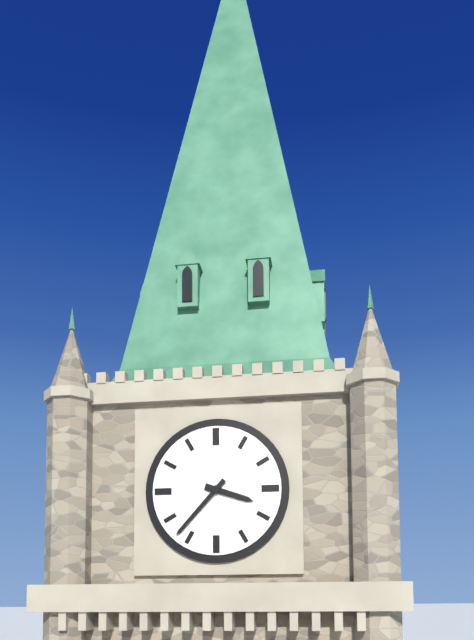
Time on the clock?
3:37
